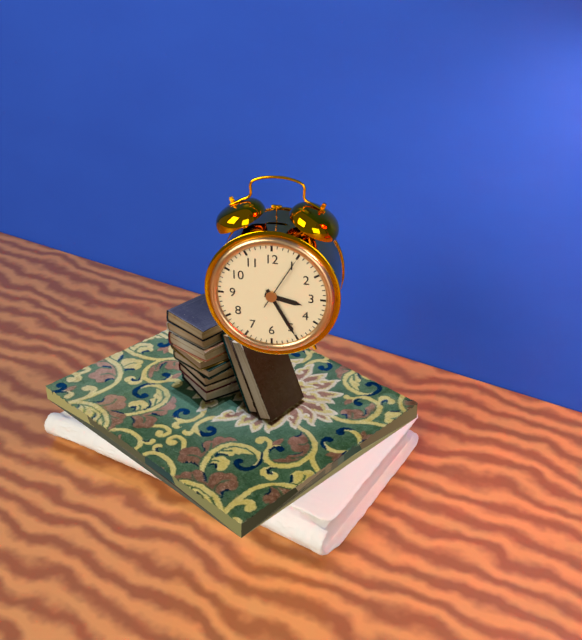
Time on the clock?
3:25:05
